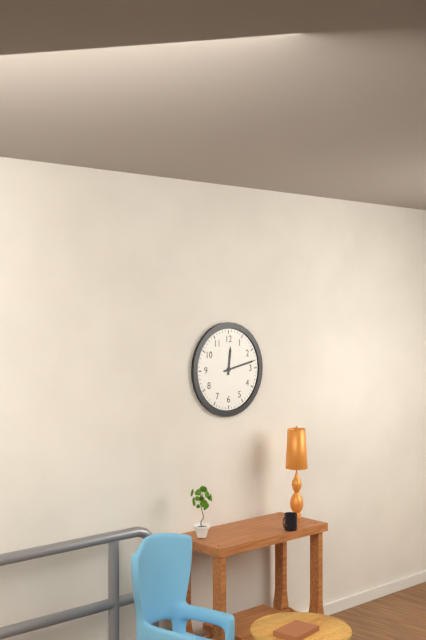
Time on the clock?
12:13
